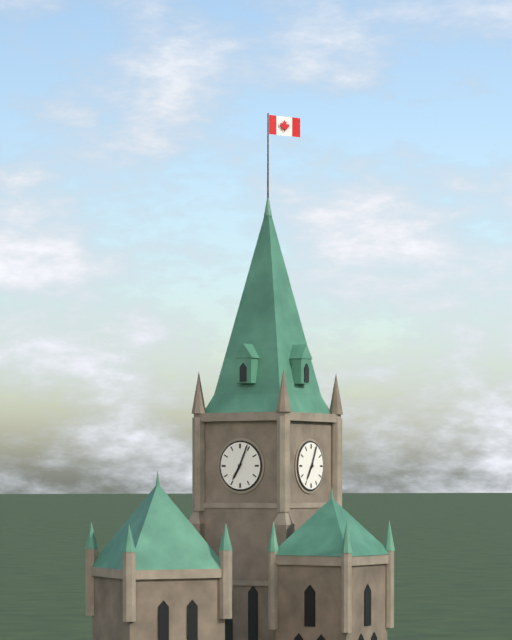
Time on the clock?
7:04
